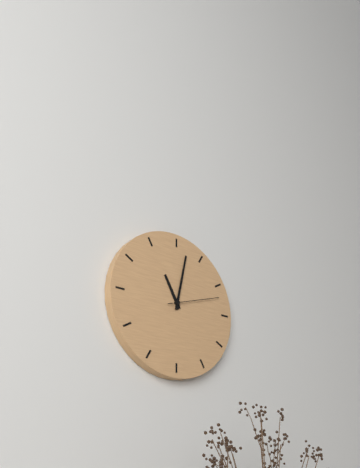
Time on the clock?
11:02:12
